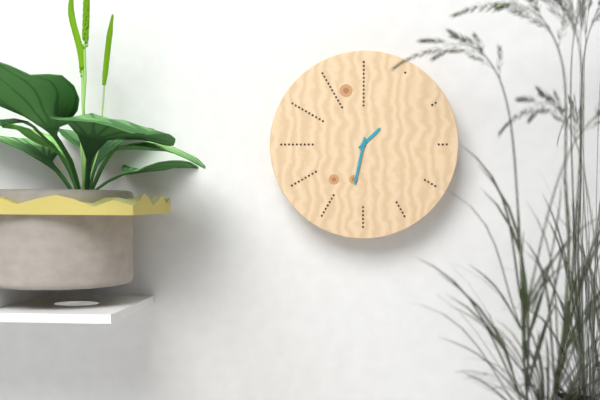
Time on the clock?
1:32
